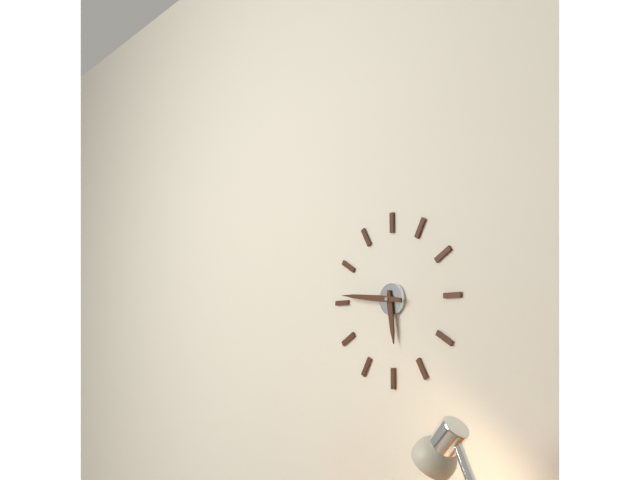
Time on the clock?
5:46
